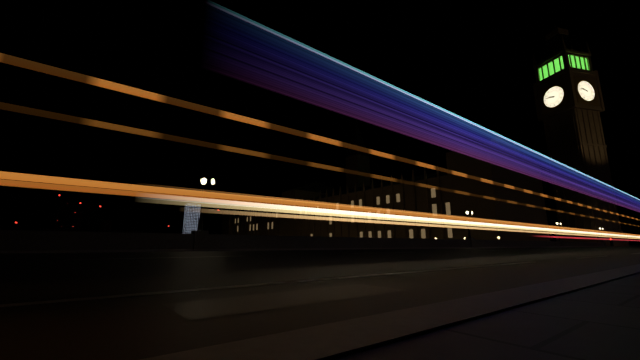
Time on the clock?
9:47
